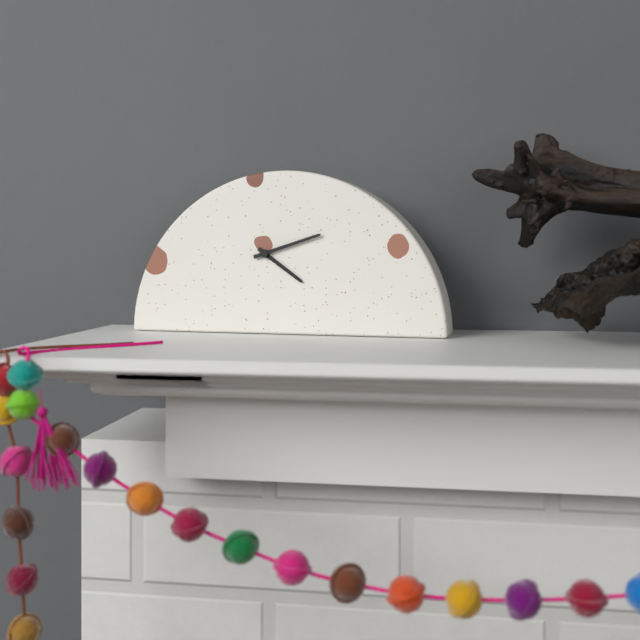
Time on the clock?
4:12
